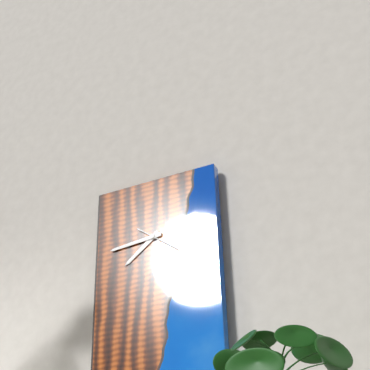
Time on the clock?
7:44:21
